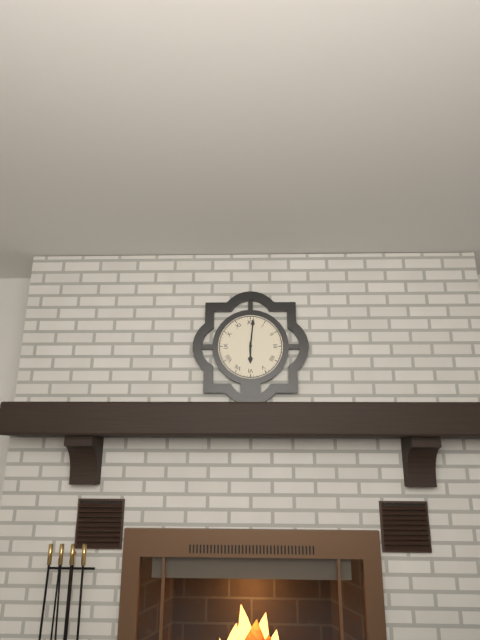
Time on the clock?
6:01
